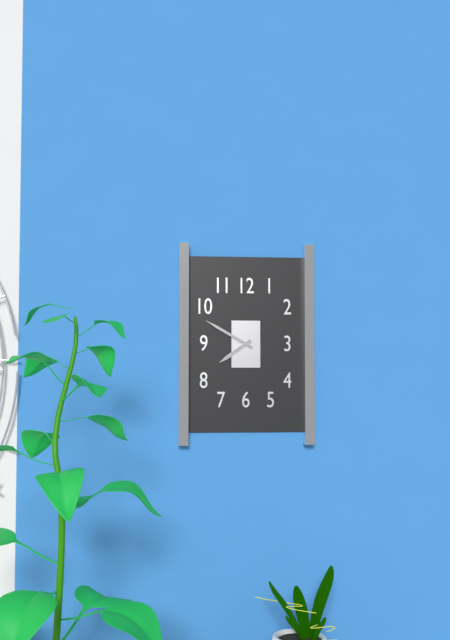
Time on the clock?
7:50
